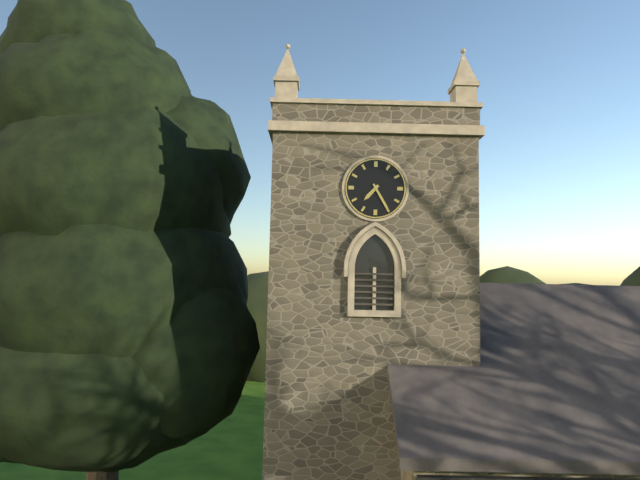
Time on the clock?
7:25
